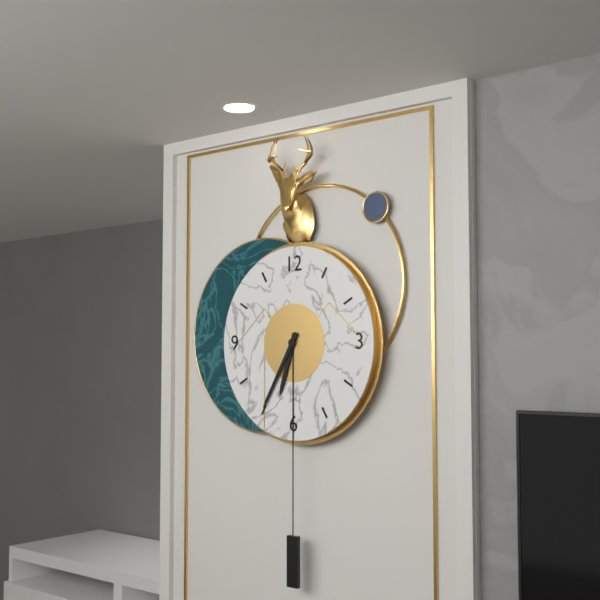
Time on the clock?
6:35
